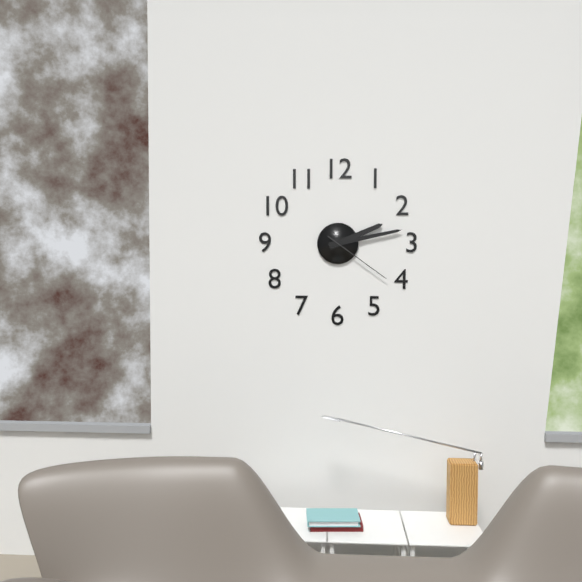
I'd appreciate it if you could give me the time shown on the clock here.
2:13:21
